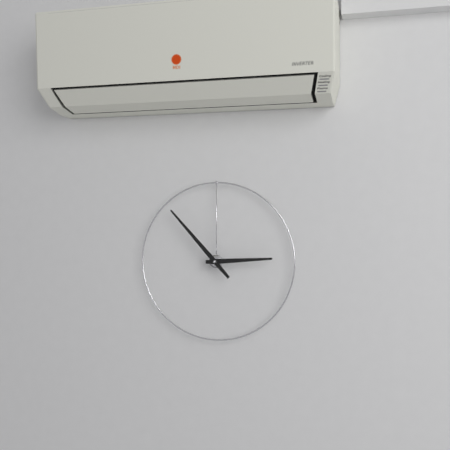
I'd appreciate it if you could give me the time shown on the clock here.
2:53
